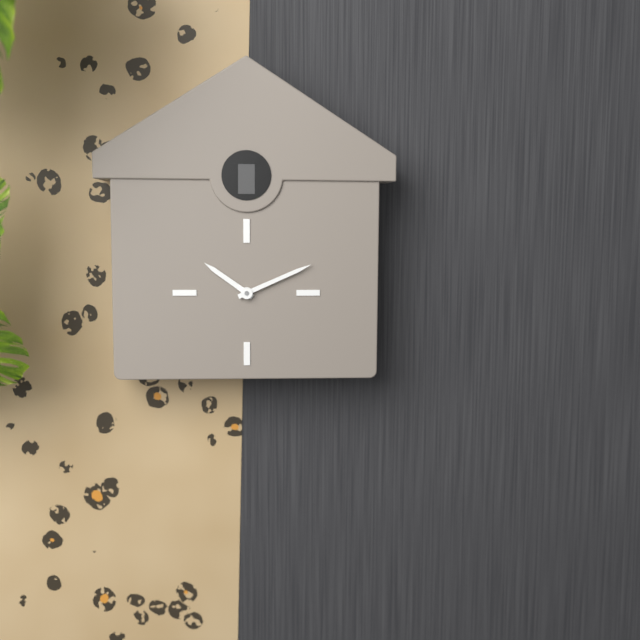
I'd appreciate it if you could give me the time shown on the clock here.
10:11
